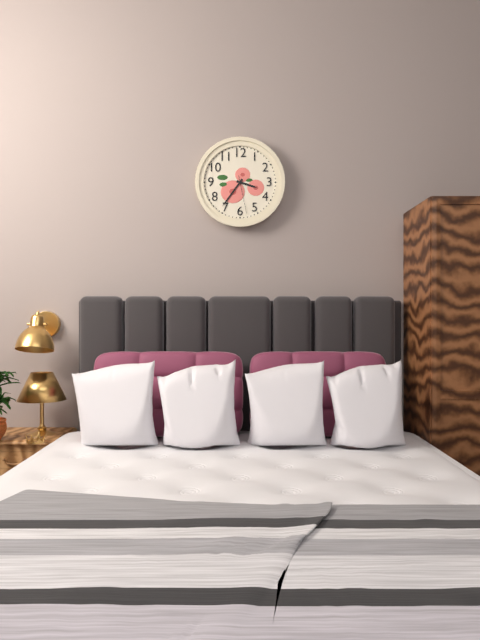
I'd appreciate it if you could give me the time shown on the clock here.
3:36
